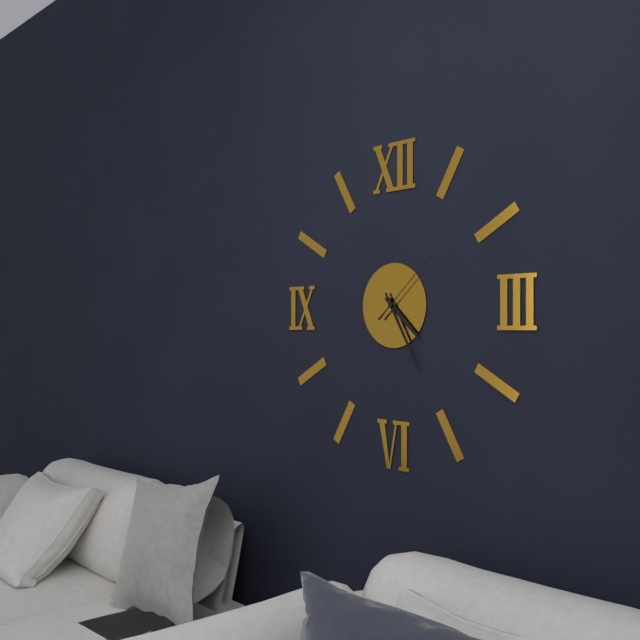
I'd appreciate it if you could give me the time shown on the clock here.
4:25:08
